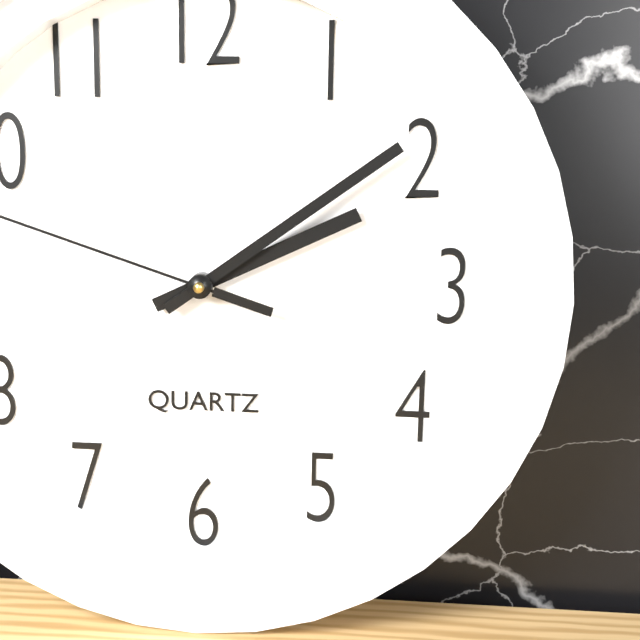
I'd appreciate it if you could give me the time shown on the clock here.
2:09
